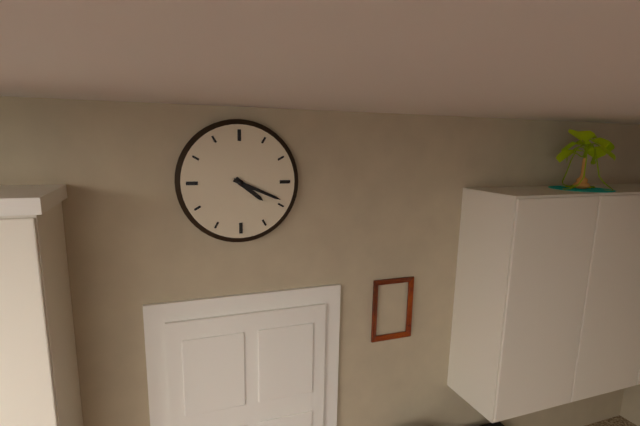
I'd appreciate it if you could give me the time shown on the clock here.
4:19
